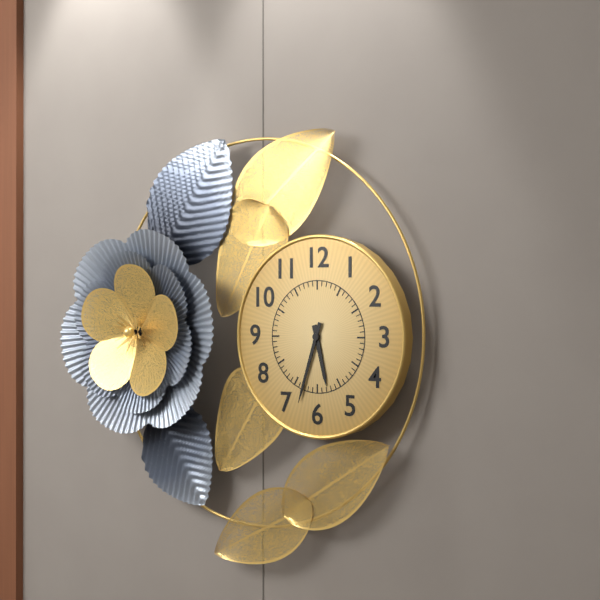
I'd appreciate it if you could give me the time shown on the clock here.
5:33
